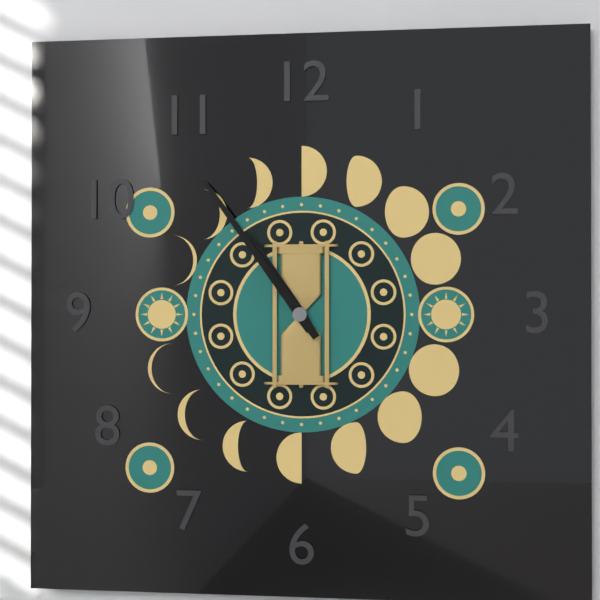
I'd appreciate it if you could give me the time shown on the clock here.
10:54
